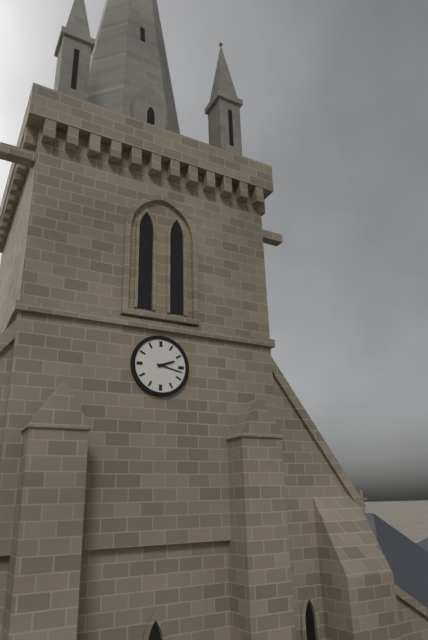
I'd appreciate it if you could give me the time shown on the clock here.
2:17
